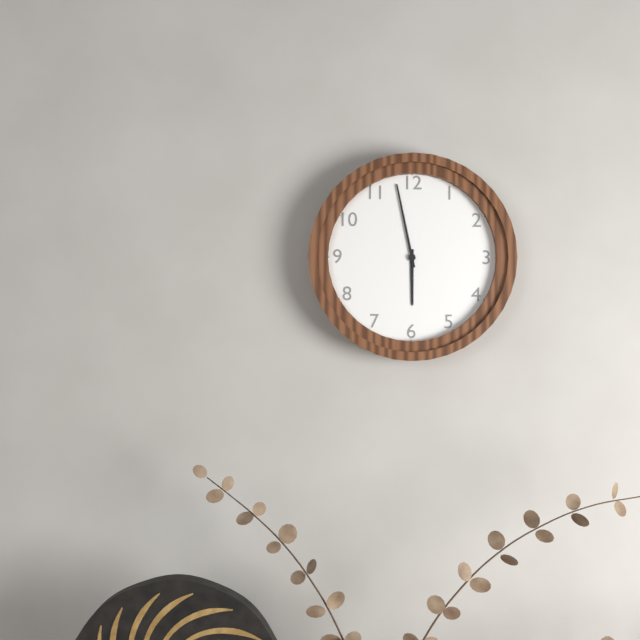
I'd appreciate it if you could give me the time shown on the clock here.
5:58
